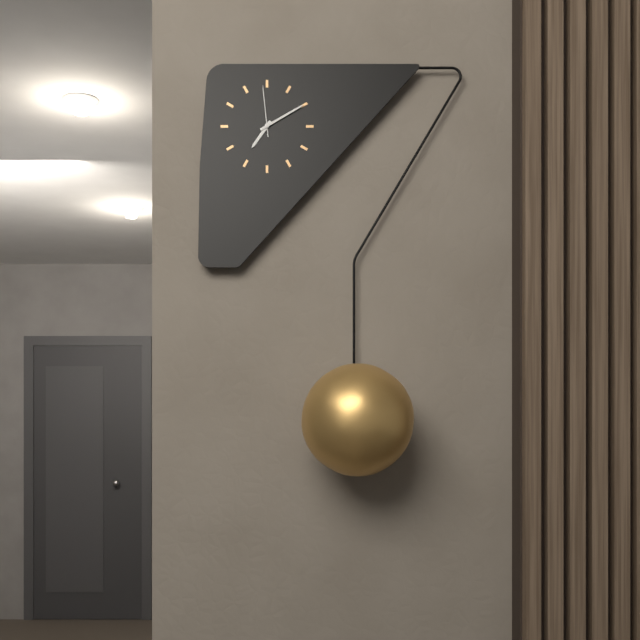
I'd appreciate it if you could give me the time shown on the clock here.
7:10:59
